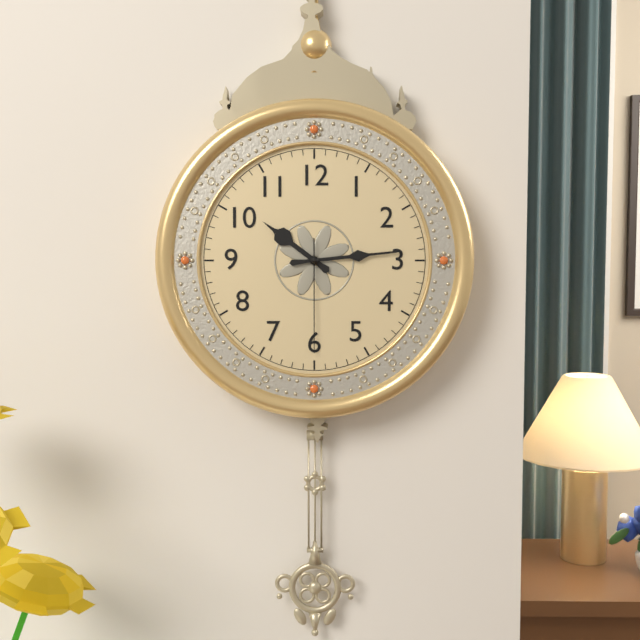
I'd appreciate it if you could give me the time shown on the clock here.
10:14:30
